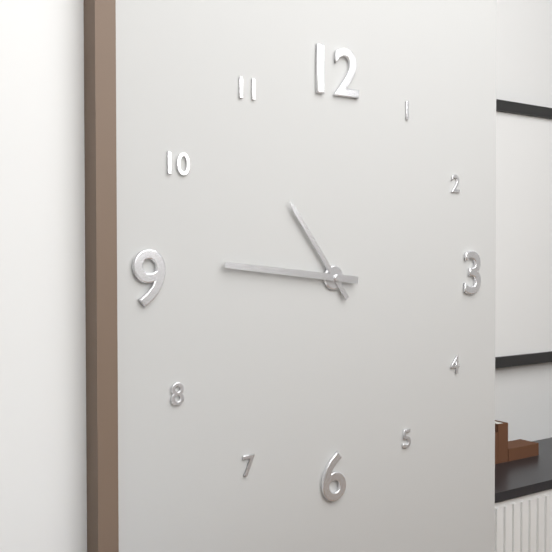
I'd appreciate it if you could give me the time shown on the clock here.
10:46
